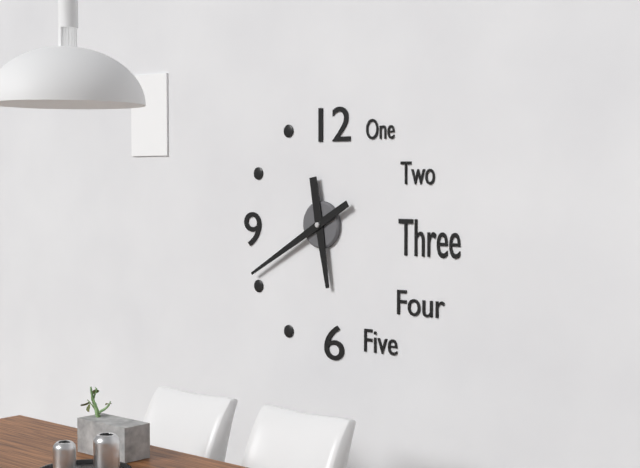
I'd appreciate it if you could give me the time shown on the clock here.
5:40
